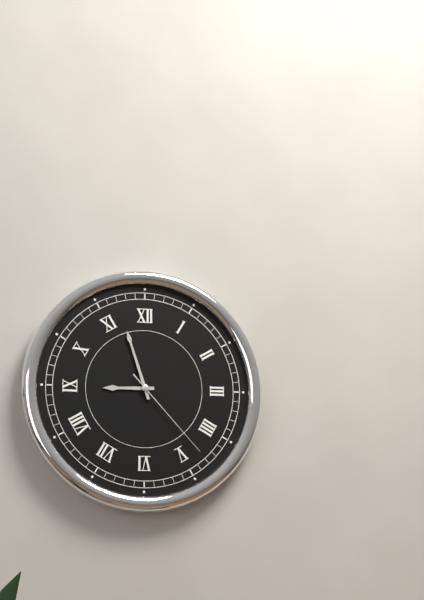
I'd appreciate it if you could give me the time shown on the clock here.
8:57:23
